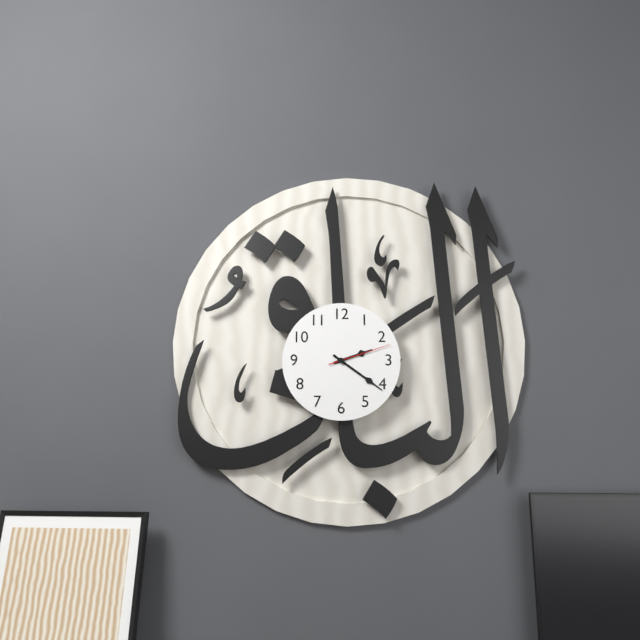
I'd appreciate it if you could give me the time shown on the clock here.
2:21:12
